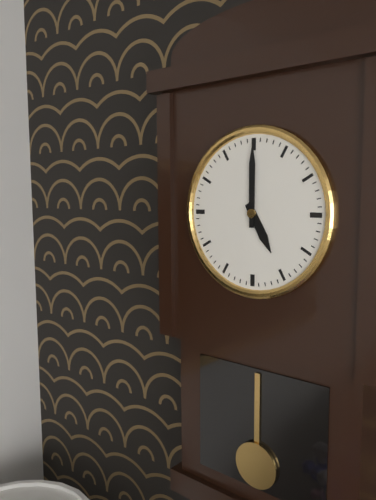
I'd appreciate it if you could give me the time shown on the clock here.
5:00
